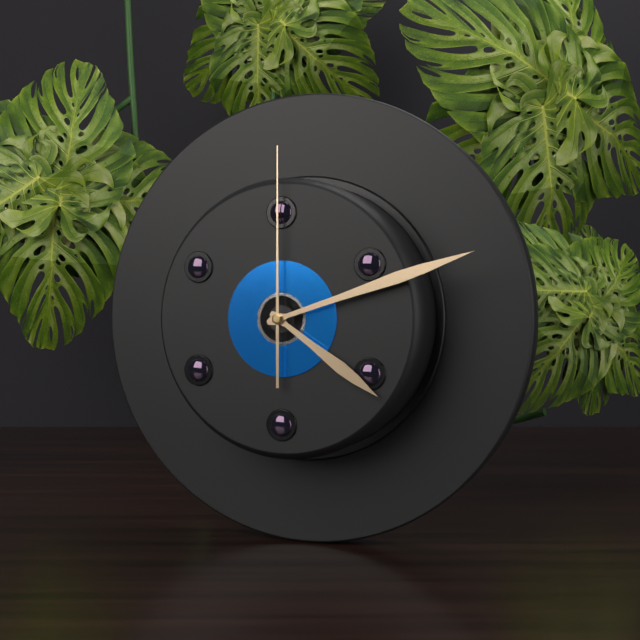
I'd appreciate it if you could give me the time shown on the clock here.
4:12:00
